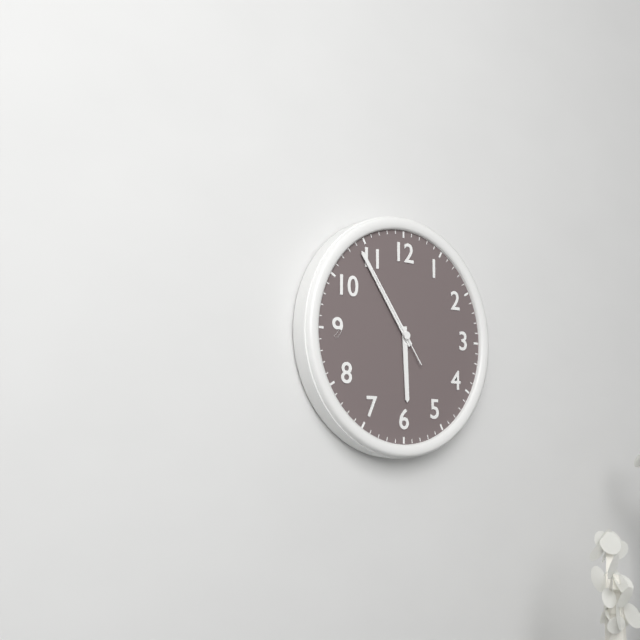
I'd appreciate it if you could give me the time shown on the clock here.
5:54:54
